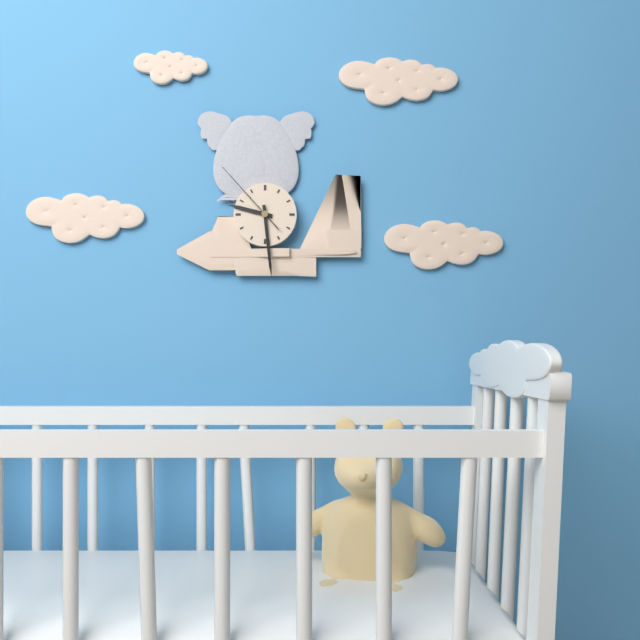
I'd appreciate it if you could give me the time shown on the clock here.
9:29:53
